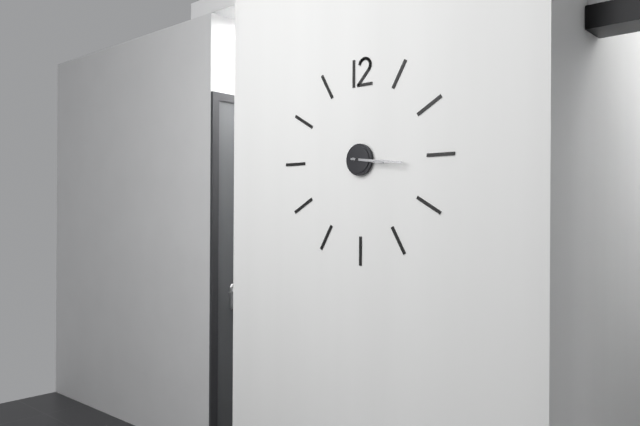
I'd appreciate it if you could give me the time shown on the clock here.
3:16
